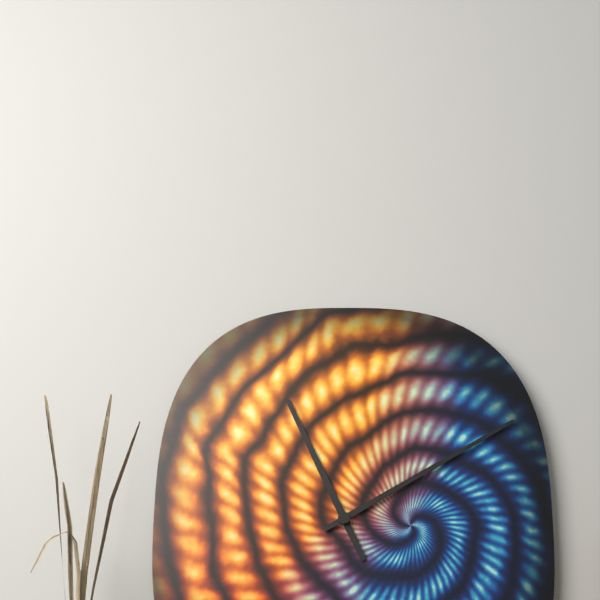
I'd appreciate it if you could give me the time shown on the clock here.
11:10
